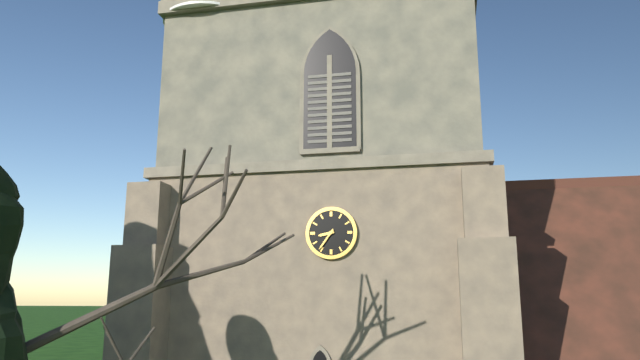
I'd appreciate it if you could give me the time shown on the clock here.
8:36
